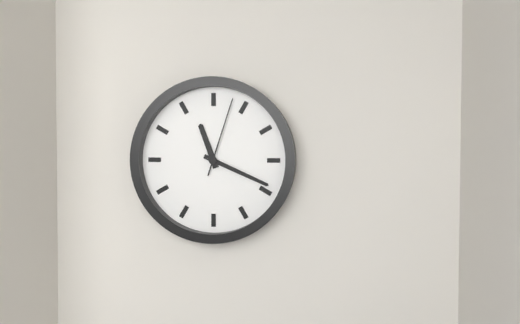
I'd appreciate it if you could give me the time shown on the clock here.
11:19:03
